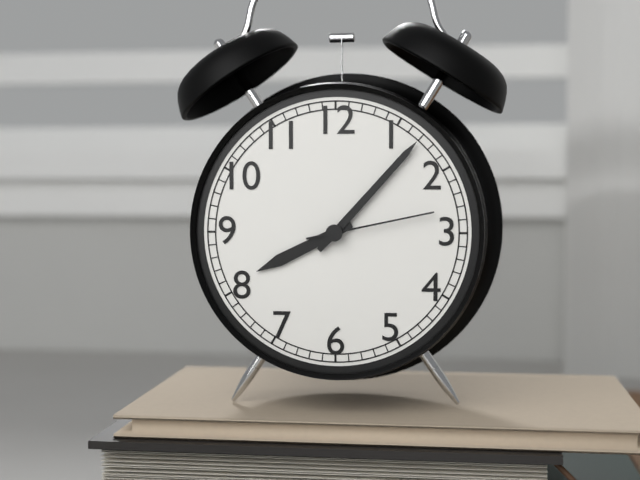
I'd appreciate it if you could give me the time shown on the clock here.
8:07:13
